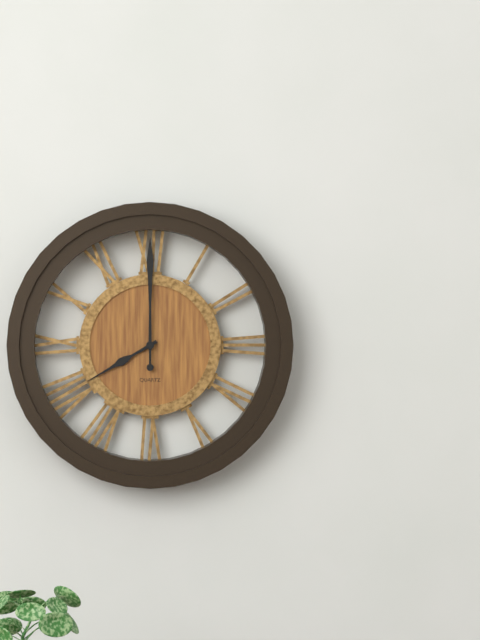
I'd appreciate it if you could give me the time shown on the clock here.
8:00
